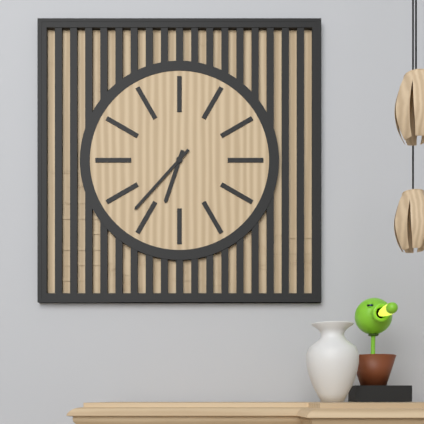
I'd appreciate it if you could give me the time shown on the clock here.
6:37
